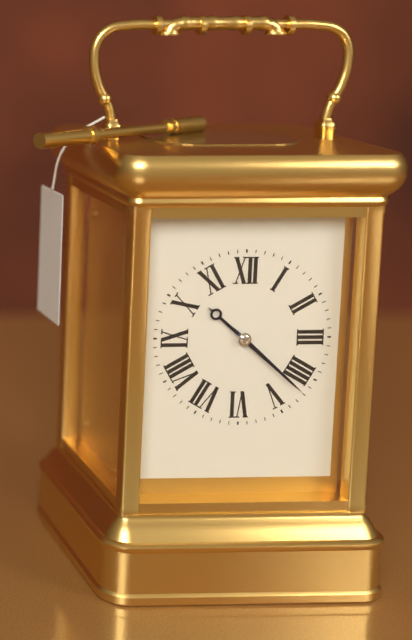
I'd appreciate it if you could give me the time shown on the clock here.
10:22
